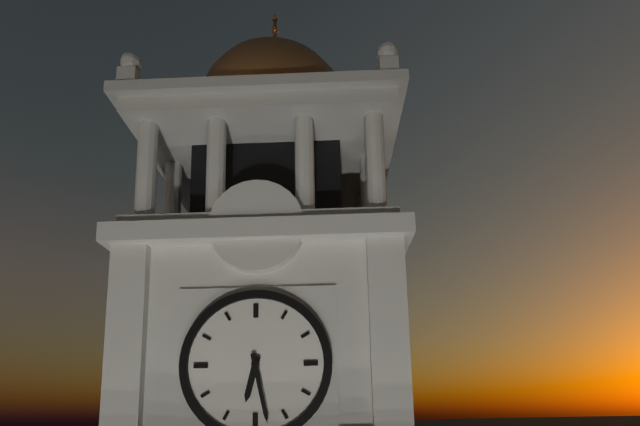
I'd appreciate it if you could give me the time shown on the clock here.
6:28
